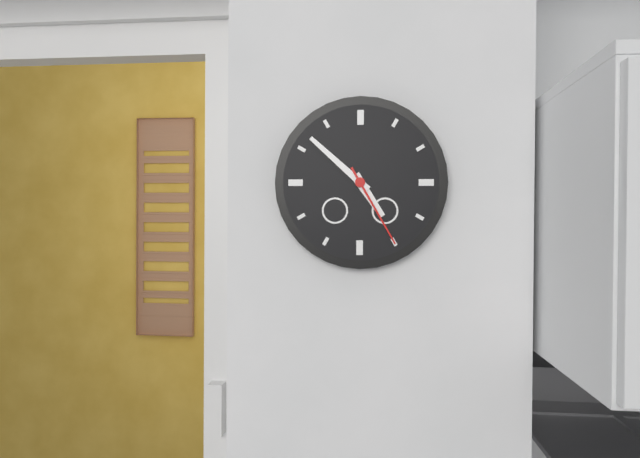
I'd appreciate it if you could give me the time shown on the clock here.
4:52:25
